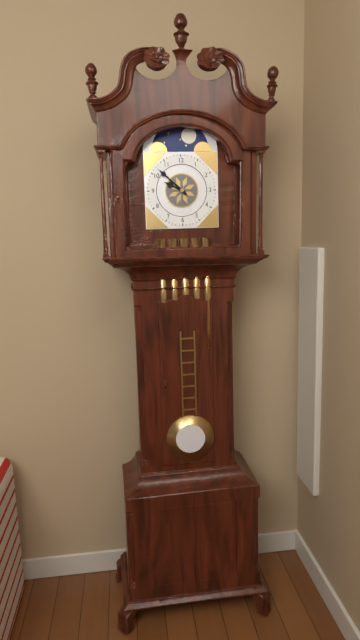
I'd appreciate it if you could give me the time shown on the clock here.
9:52
